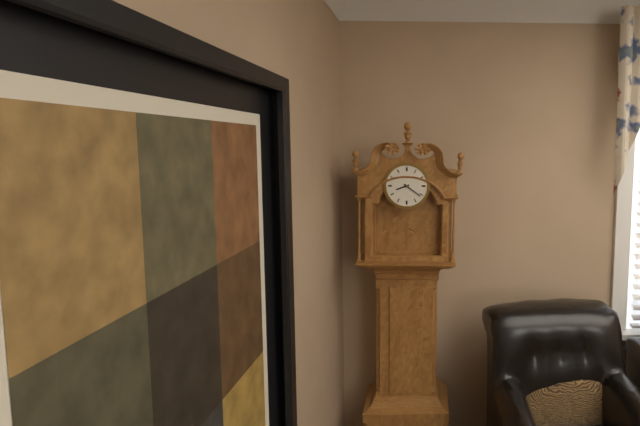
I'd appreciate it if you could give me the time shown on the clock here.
8:21
